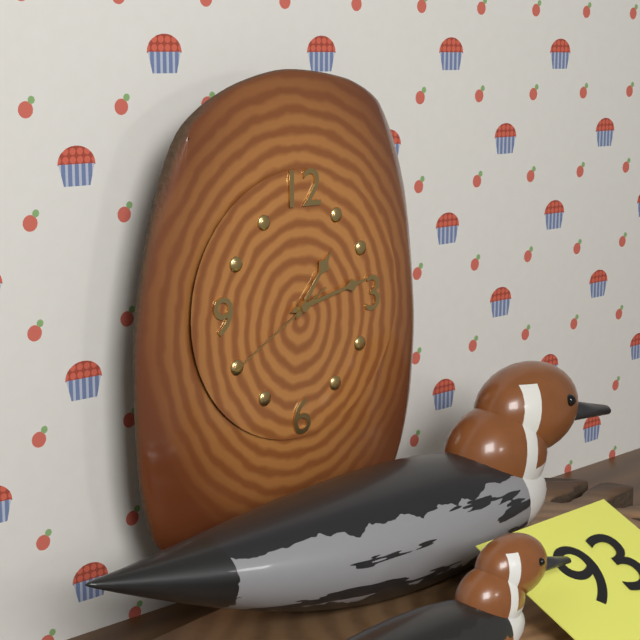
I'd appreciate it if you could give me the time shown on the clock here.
1:13:40
